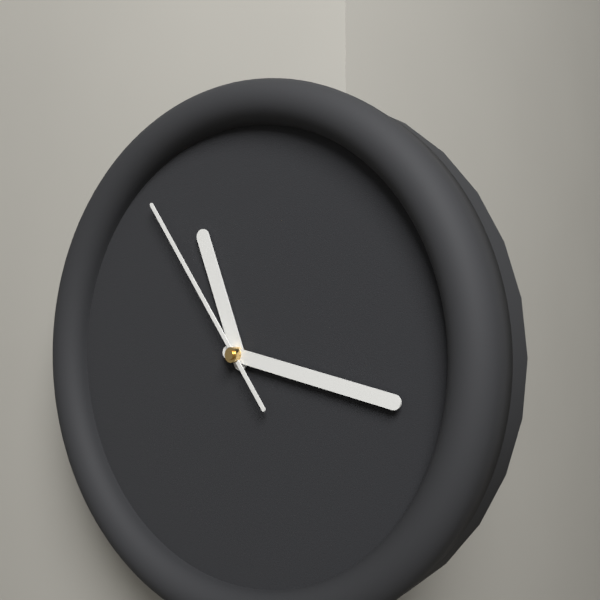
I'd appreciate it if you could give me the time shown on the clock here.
11:17:54
